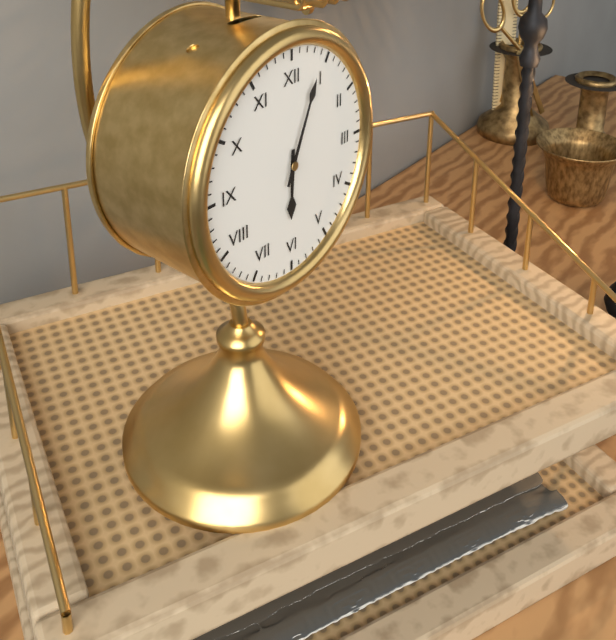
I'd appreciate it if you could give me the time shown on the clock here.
6:04
